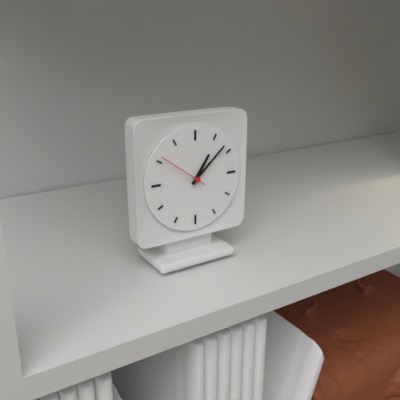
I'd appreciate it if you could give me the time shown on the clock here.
1:08:51
